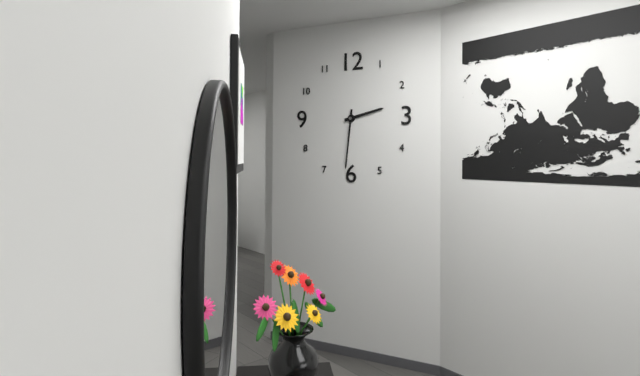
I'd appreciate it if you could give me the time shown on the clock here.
2:31
